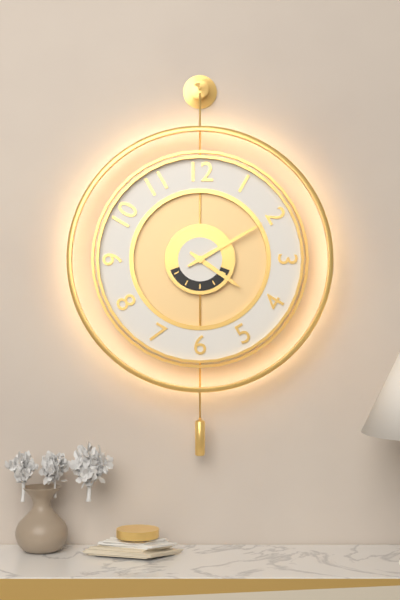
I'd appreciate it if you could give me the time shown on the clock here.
4:10
